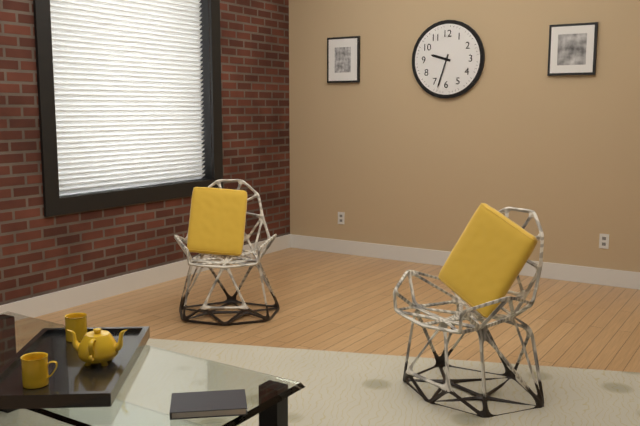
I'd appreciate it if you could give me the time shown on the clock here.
9:33
